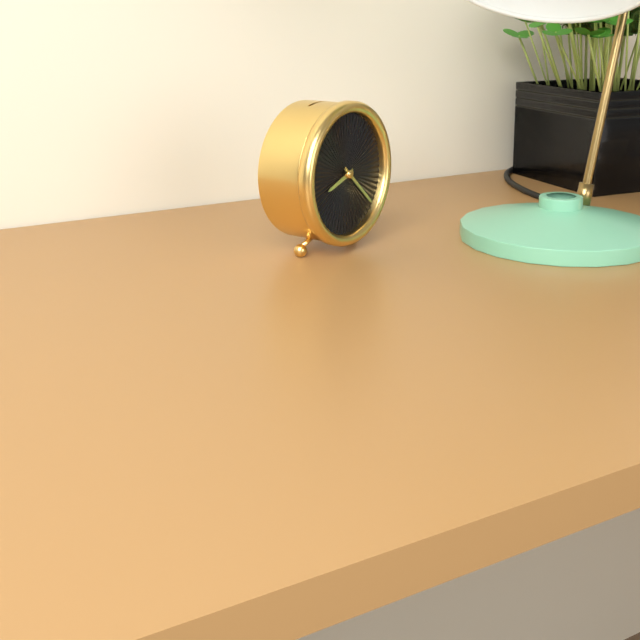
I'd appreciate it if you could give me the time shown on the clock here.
8:22
